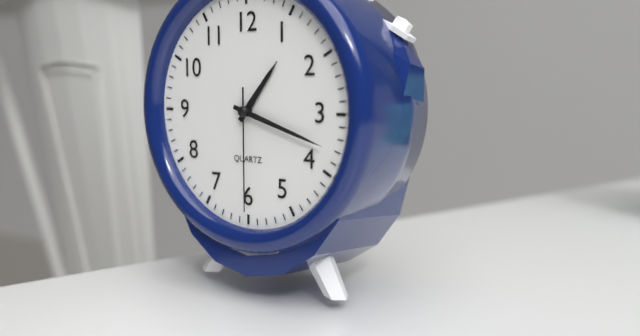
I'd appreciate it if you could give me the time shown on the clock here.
1:18:30
